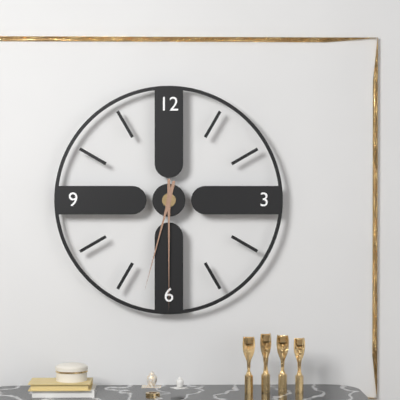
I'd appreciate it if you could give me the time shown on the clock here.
6:30
